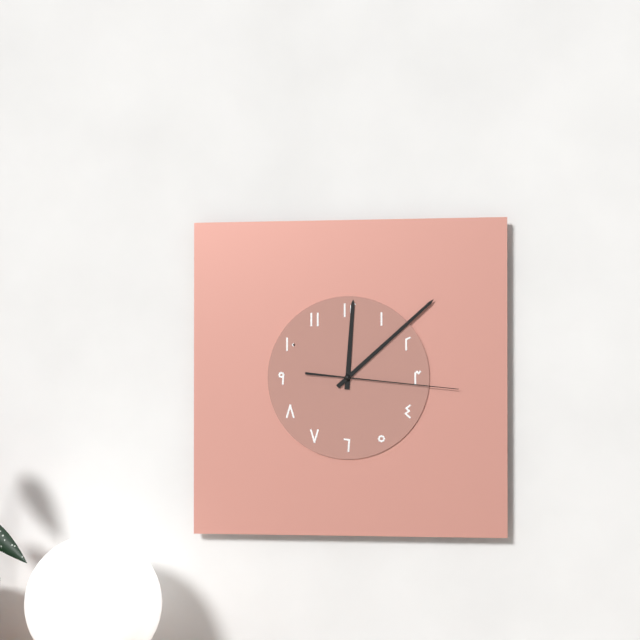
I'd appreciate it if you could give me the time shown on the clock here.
12:08:16
